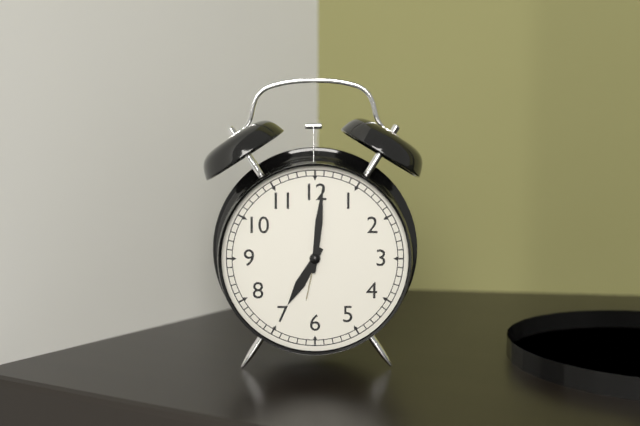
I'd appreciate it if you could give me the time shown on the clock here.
7:01
